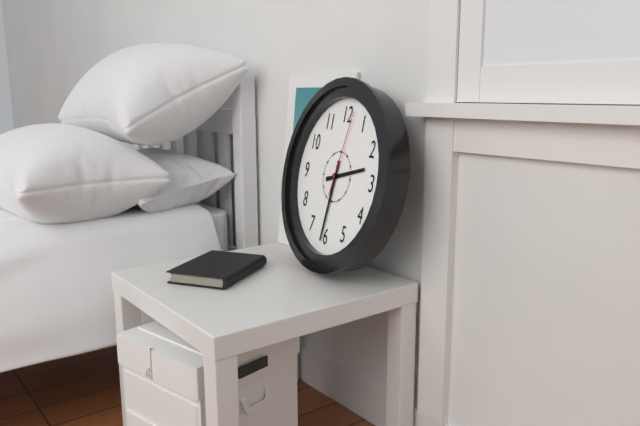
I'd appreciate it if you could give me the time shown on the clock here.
2:31:02
